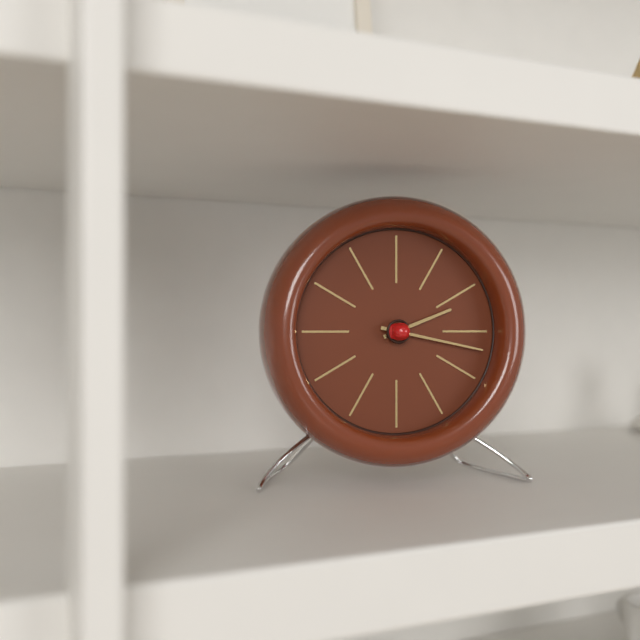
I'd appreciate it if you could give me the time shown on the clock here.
2:17
